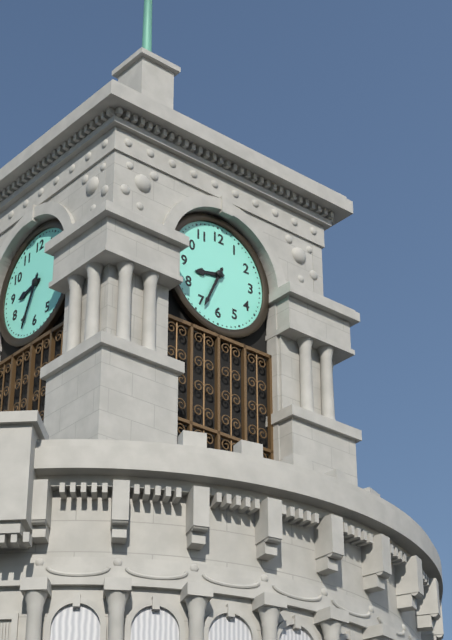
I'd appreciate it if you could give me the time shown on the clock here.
8:34
